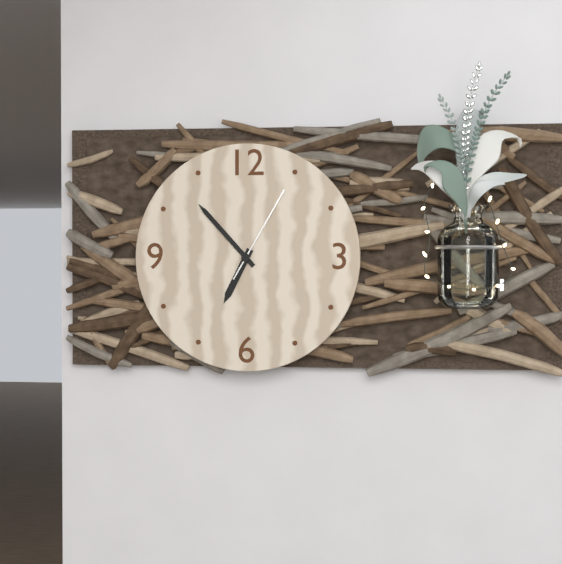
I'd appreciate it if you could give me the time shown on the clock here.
6:53:05
